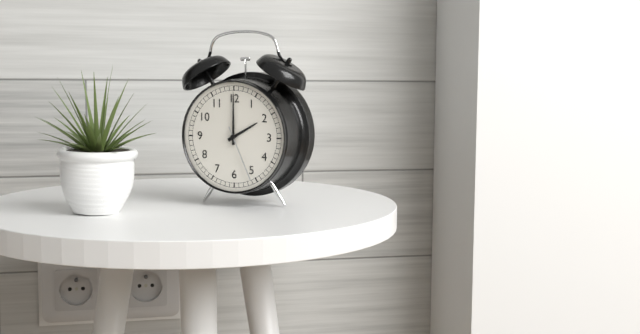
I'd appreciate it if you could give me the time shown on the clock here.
2:00:26
